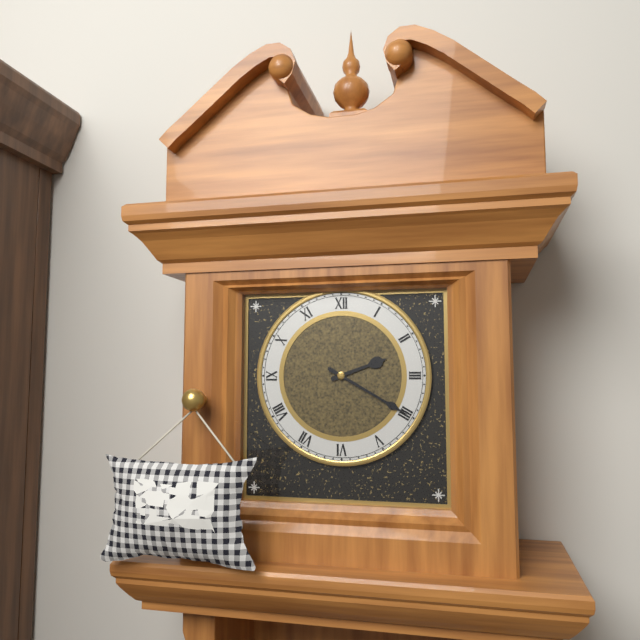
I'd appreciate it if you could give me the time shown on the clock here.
2:20
